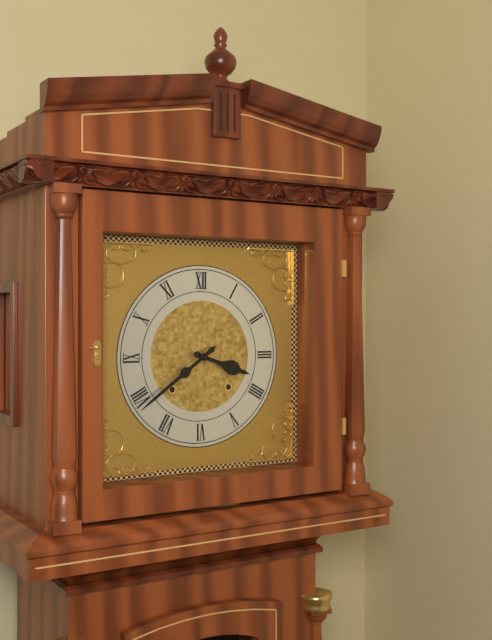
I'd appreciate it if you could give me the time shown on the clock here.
3:39
